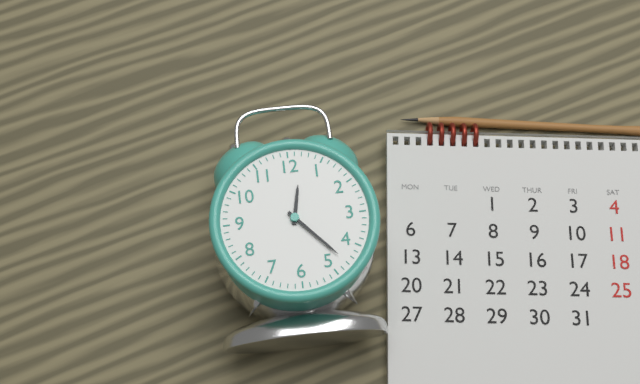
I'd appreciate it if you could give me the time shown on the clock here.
12:23
